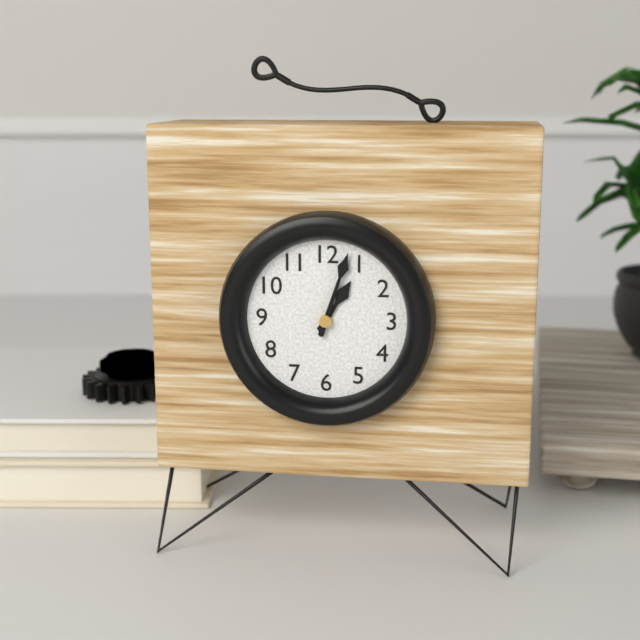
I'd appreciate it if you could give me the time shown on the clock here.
1:03
